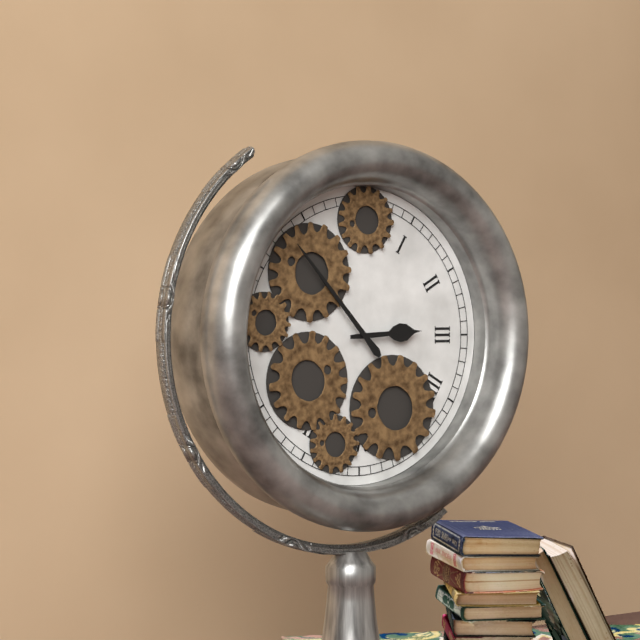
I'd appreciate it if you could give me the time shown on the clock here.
2:53
